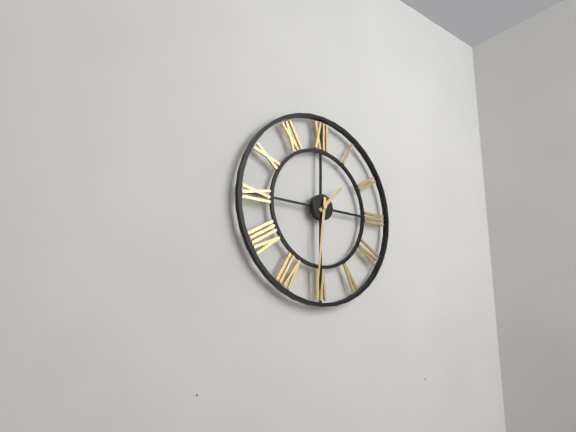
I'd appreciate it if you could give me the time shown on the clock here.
1:31
